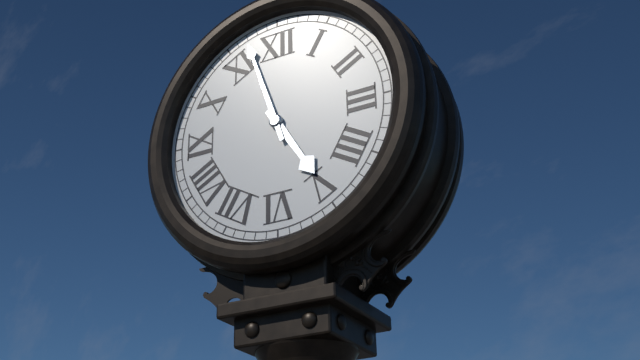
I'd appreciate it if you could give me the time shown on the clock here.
4:57
